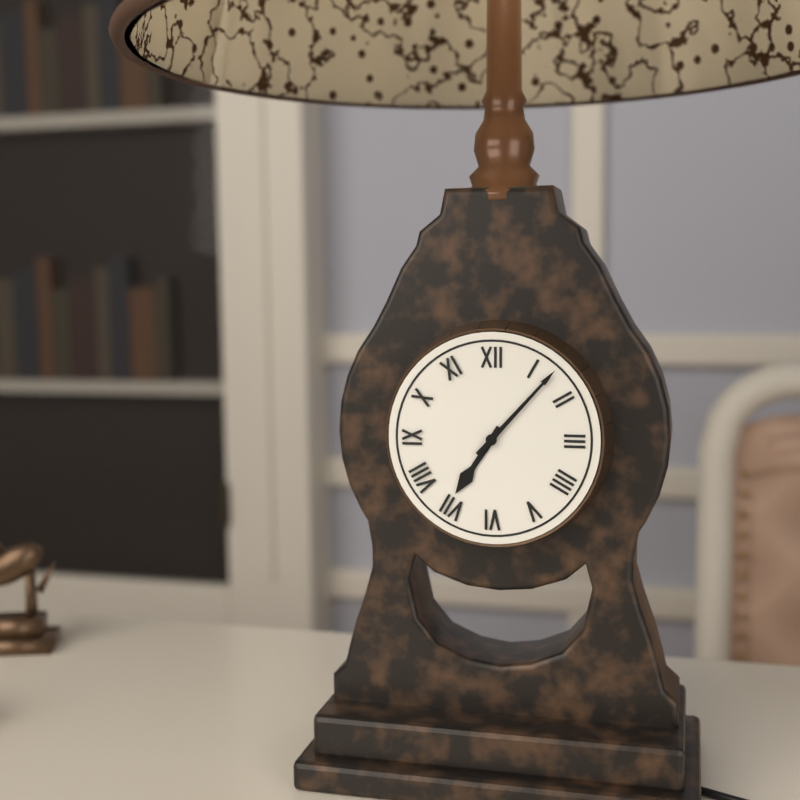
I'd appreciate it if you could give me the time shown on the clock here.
7:07
